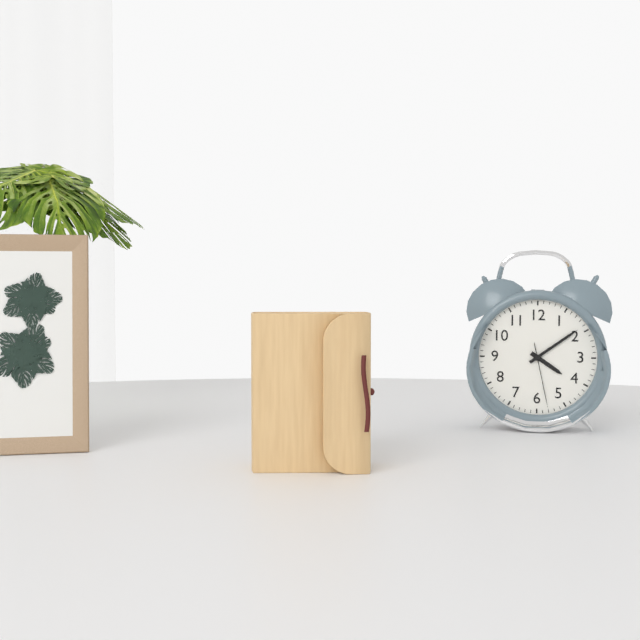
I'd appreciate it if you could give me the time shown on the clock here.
4:09:28
